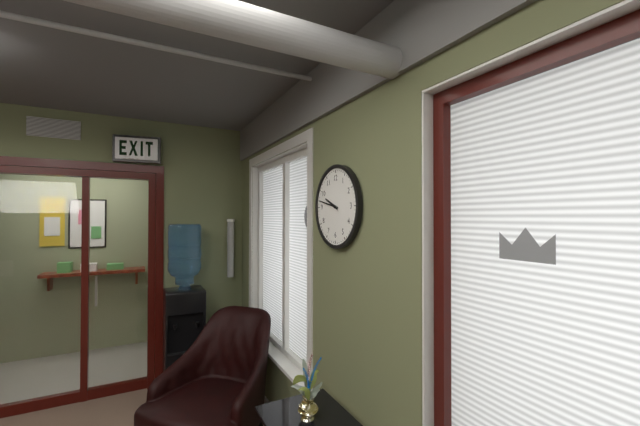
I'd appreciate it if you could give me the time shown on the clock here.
9:47
